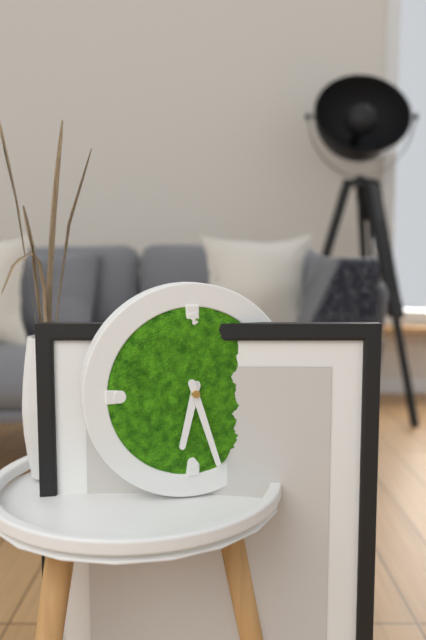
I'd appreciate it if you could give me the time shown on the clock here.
6:27
